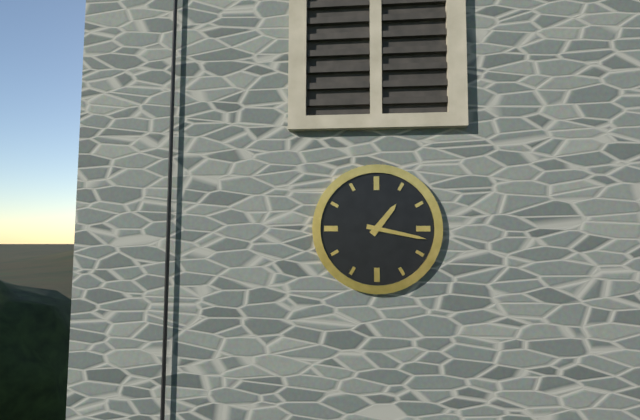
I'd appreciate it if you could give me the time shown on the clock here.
1:17
